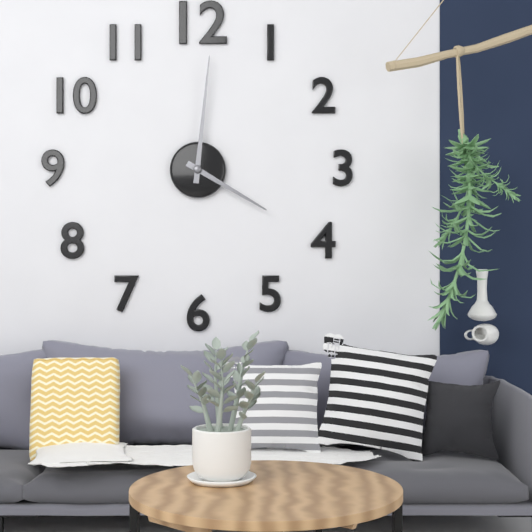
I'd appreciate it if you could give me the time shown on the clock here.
4:01
